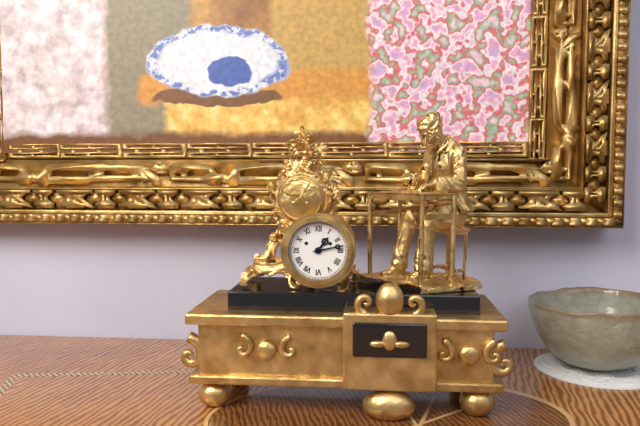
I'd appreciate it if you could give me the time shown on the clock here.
1:13
